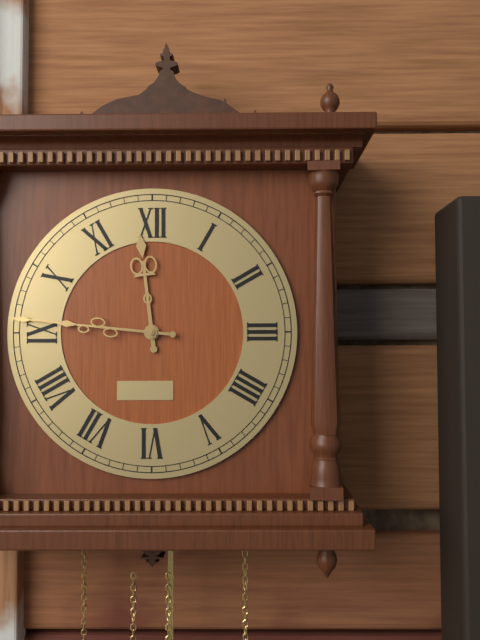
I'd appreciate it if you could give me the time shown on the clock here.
11:46
